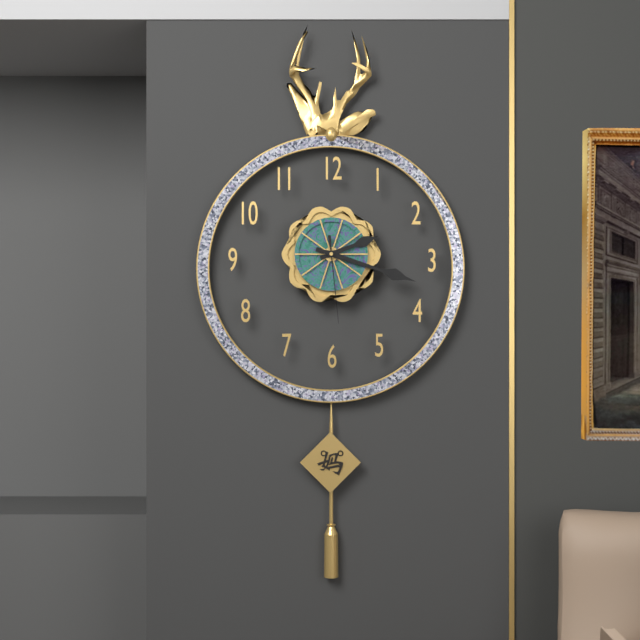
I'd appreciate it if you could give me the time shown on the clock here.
2:18:29
